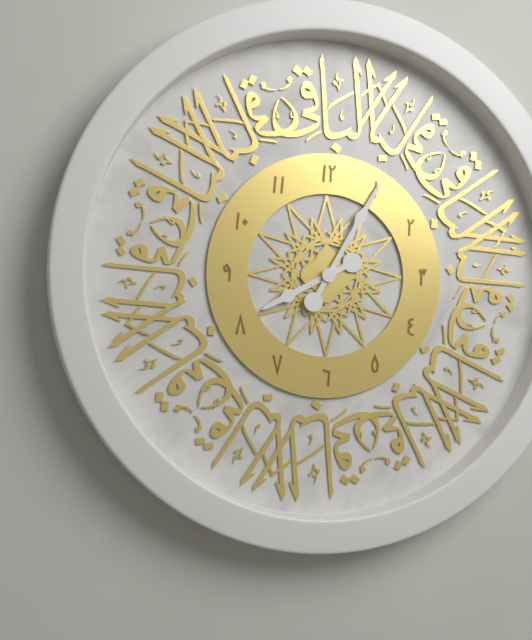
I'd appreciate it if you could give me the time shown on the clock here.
8:05
